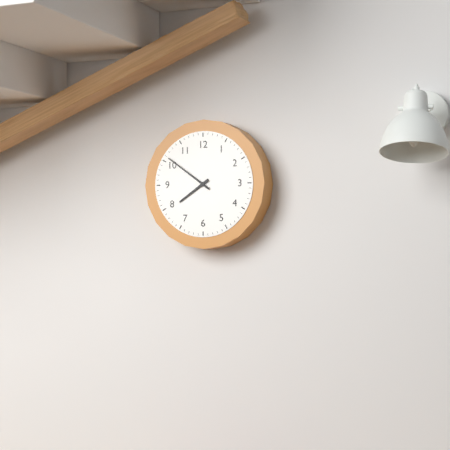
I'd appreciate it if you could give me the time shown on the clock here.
7:51
